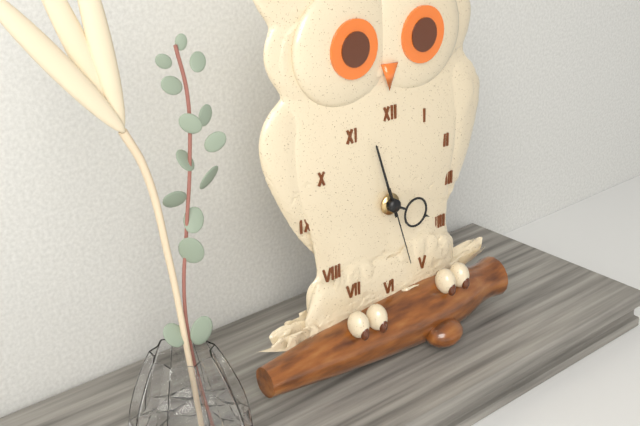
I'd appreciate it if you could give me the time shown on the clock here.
3:57:27
